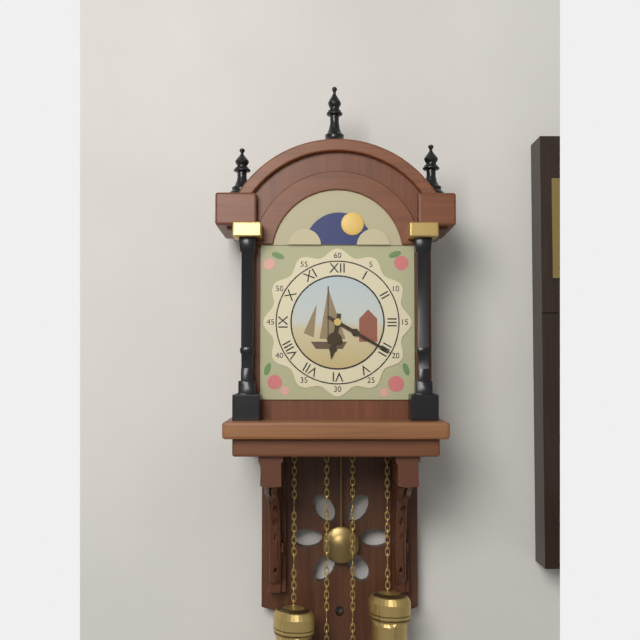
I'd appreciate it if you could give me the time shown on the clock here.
6:20
